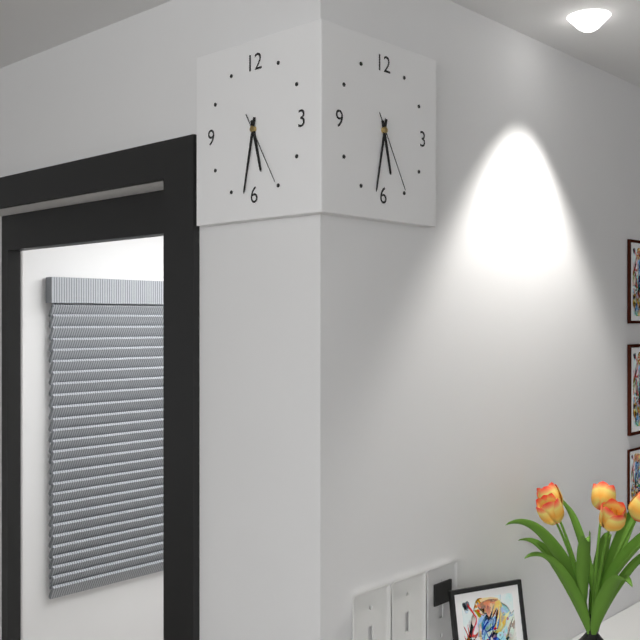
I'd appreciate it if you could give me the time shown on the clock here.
5:32:25
